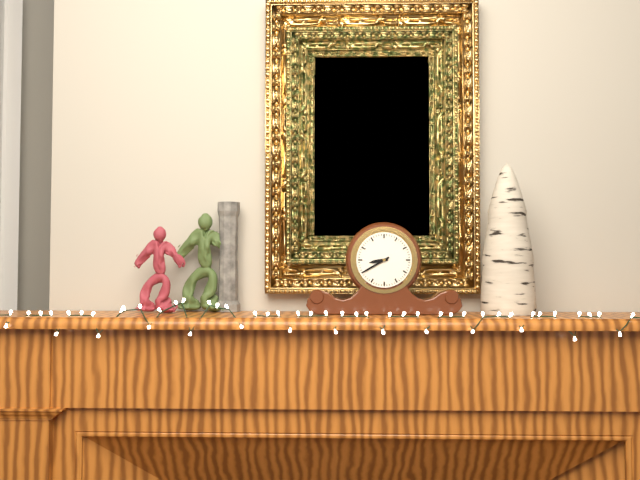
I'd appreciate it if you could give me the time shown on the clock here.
8:40
